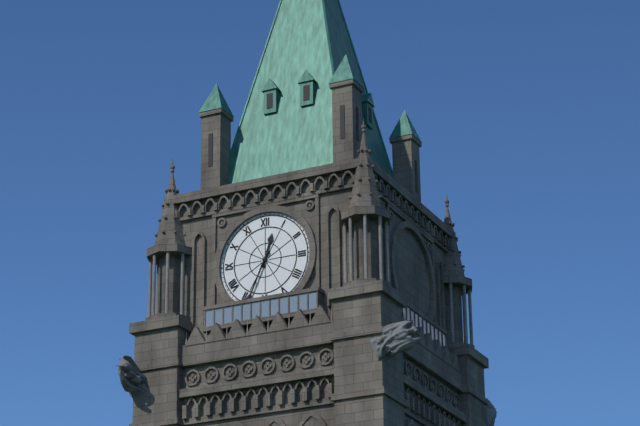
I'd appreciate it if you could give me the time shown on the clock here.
12:34
